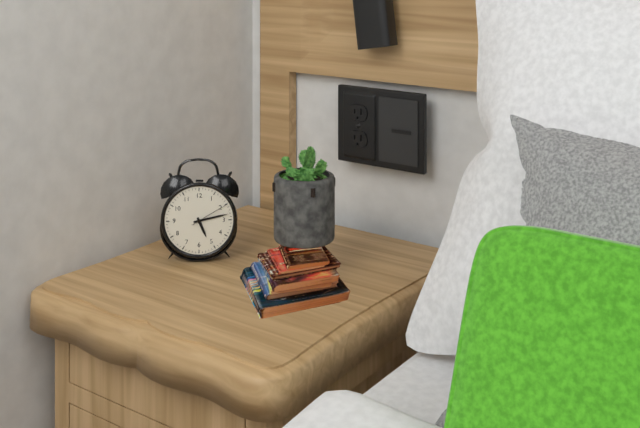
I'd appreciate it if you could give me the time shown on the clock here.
5:13
